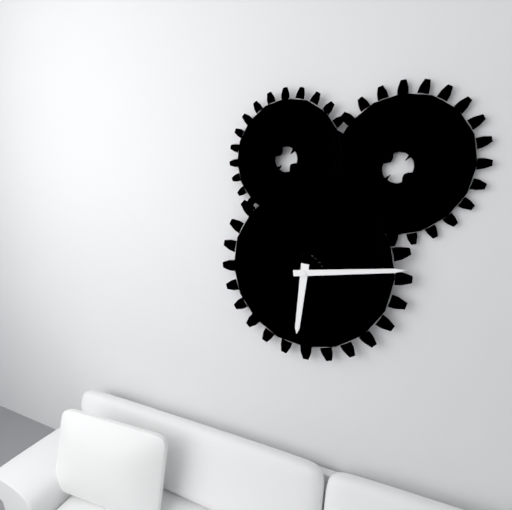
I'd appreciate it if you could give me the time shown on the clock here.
6:14
